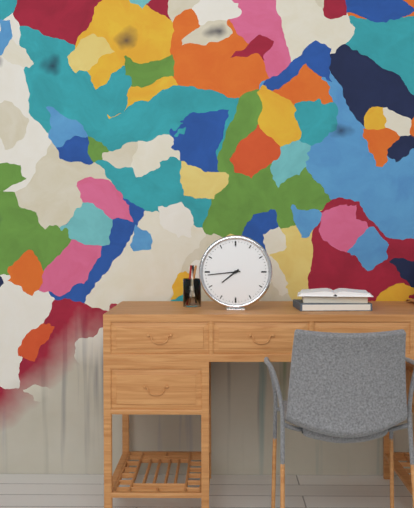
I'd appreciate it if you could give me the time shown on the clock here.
7:44
